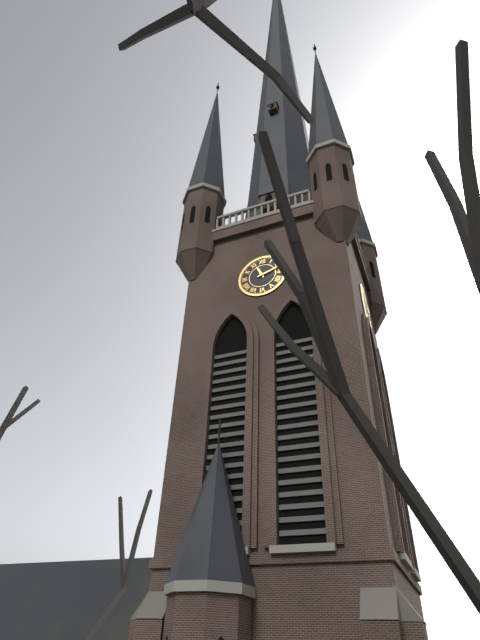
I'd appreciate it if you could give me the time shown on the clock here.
11:12
